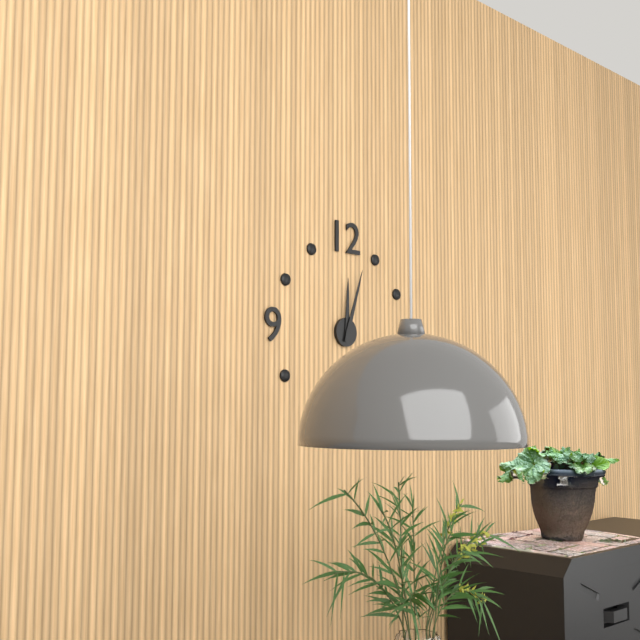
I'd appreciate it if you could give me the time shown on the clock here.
12:03
